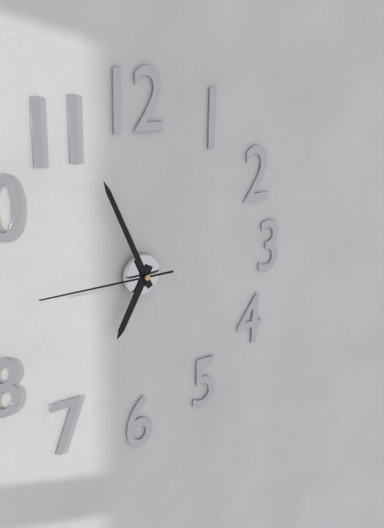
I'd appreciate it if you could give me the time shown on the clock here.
6:56:45
